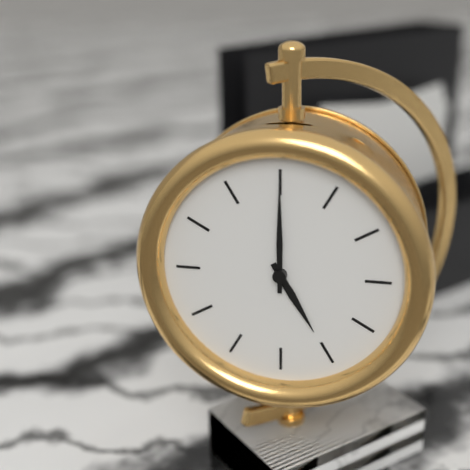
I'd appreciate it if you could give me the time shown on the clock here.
5:00
